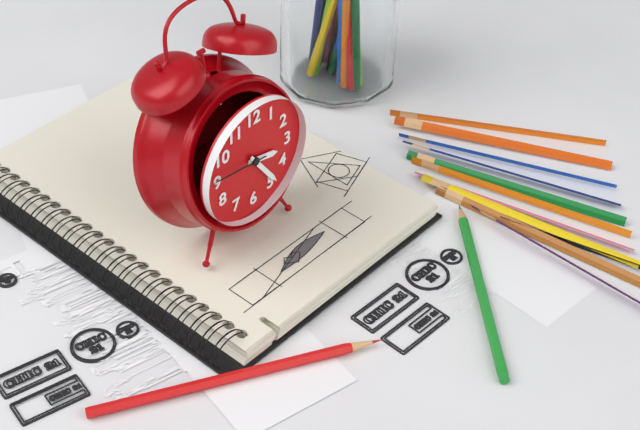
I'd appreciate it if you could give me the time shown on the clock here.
3:24:46
